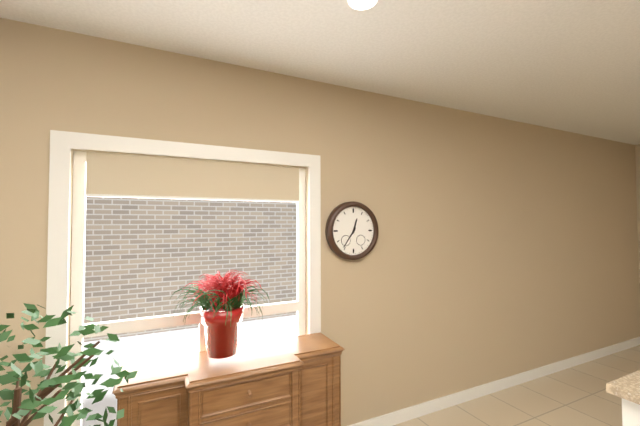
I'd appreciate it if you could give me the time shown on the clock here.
12:36
